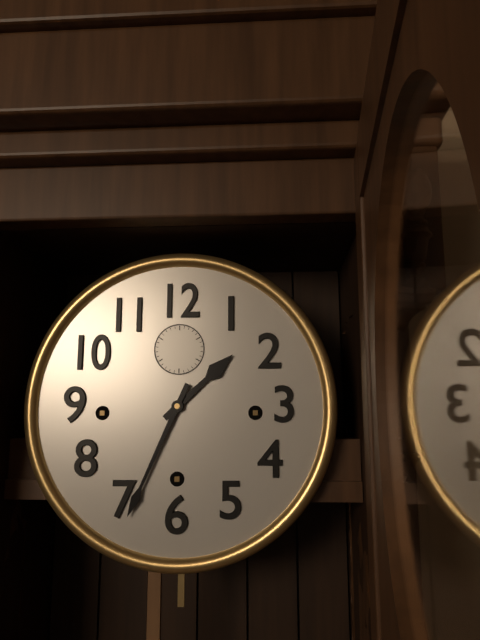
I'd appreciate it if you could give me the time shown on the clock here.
1:34
